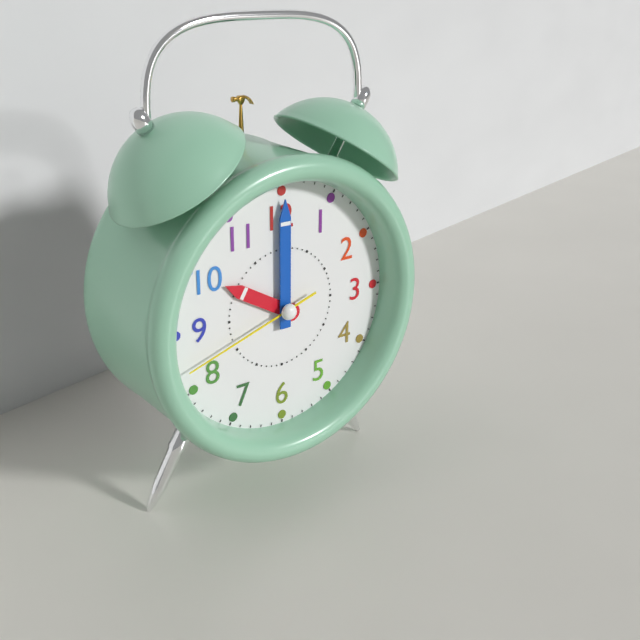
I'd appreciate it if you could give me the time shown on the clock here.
10:00:42
